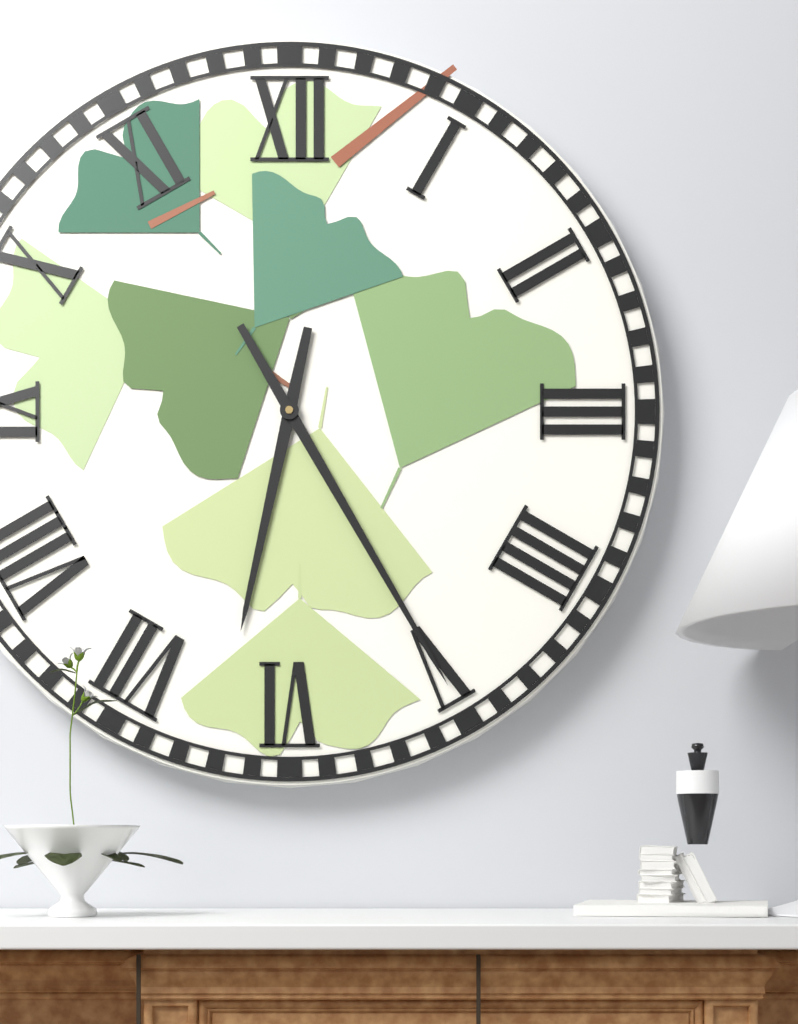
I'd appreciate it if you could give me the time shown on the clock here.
6:25
